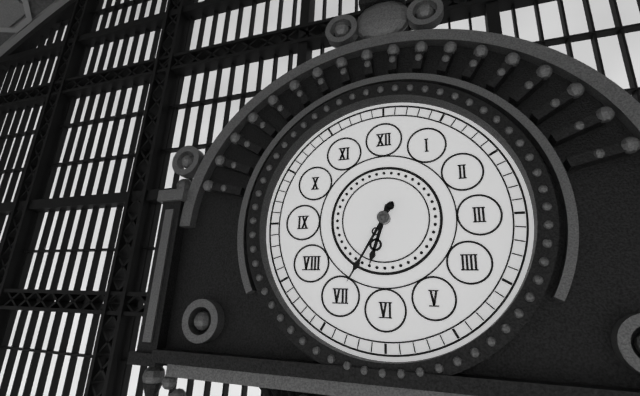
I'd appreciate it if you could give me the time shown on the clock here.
6:35
